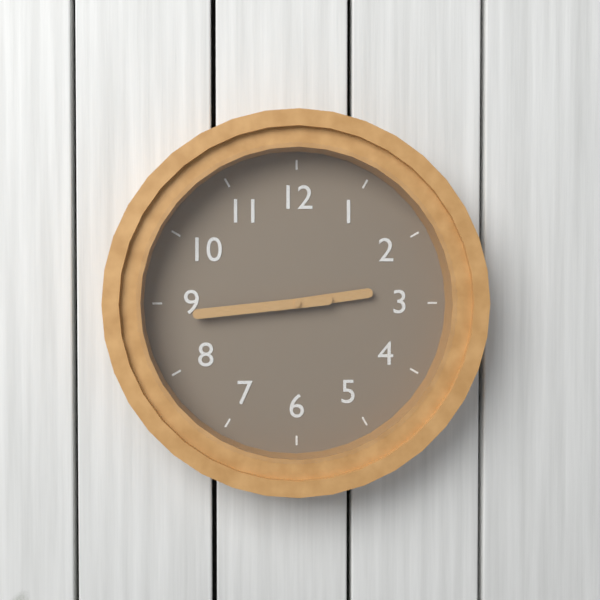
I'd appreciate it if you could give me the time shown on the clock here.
2:44
